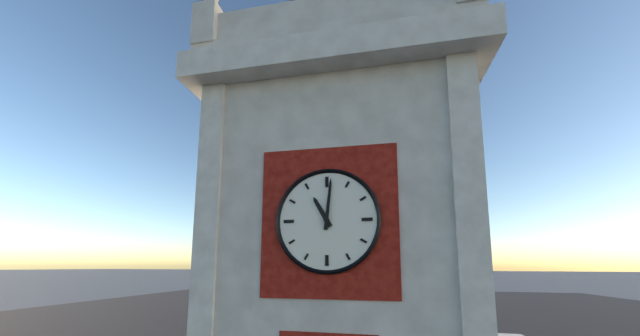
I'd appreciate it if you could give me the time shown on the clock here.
11:01
